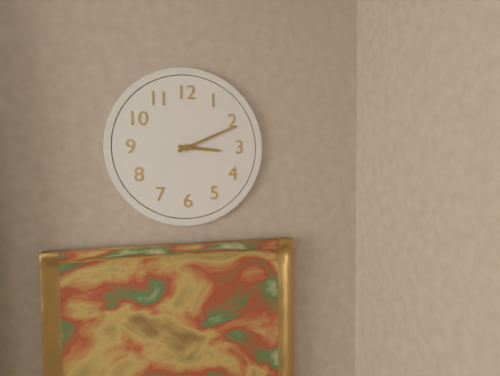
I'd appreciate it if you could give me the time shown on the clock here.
3:11
